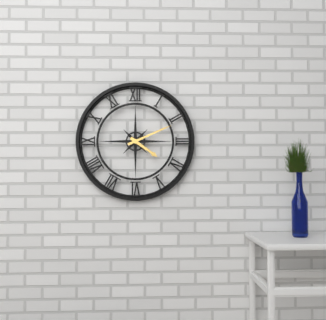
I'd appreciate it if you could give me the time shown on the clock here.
4:11
